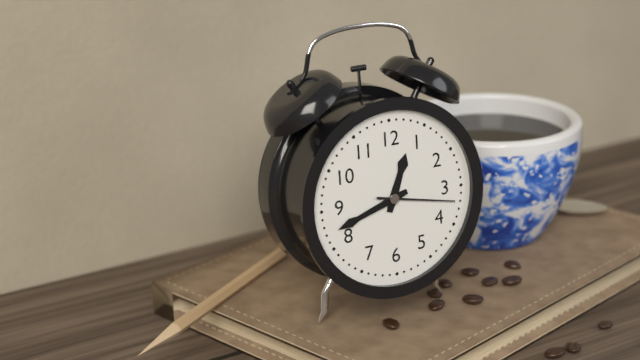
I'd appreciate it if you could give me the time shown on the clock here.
12:42:17
